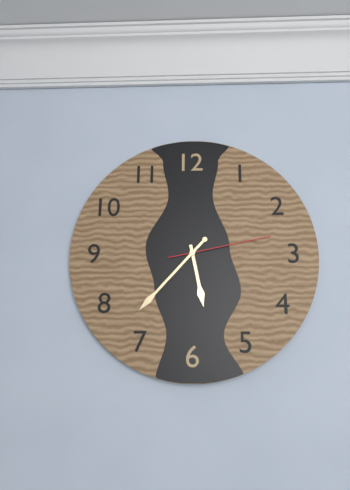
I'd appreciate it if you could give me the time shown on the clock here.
5:37:13
